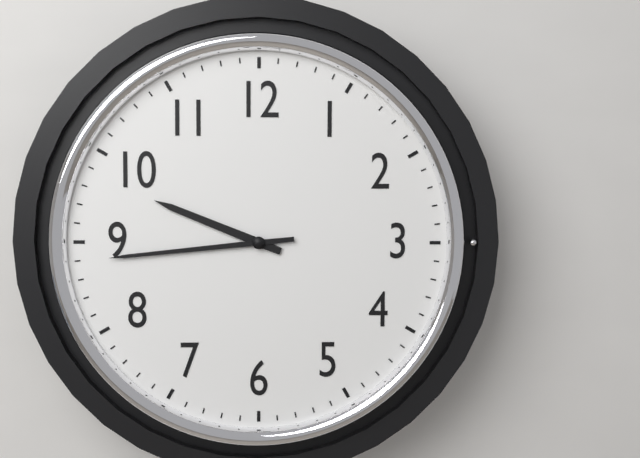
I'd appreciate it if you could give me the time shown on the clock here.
9:44
